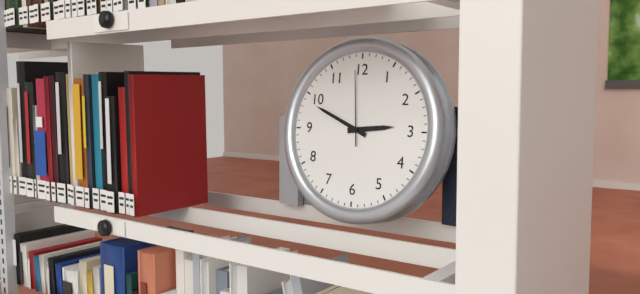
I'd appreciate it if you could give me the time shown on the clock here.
2:49:59
